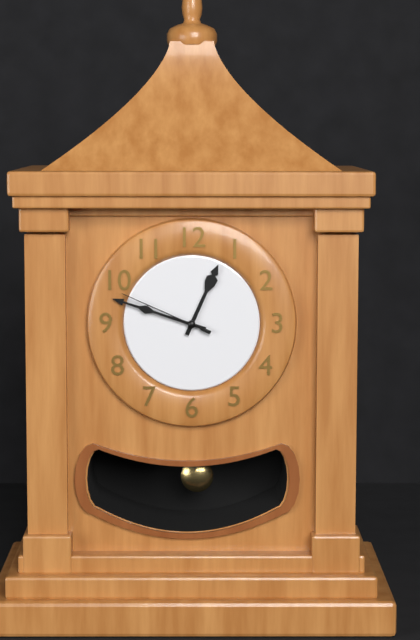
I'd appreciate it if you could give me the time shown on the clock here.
12:48:49
